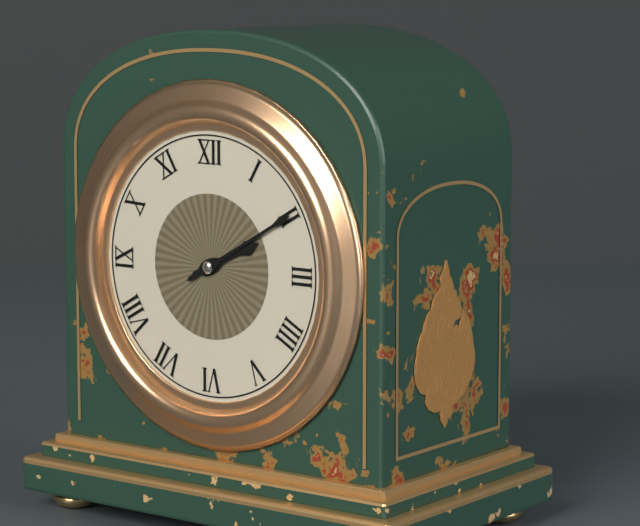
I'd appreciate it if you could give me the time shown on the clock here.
2:10
